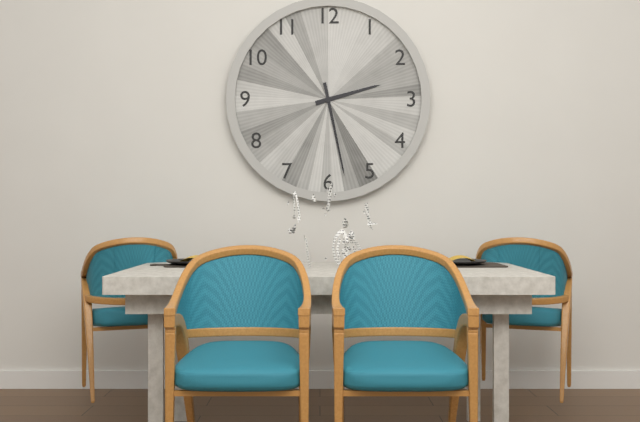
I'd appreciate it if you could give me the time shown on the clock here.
2:28
